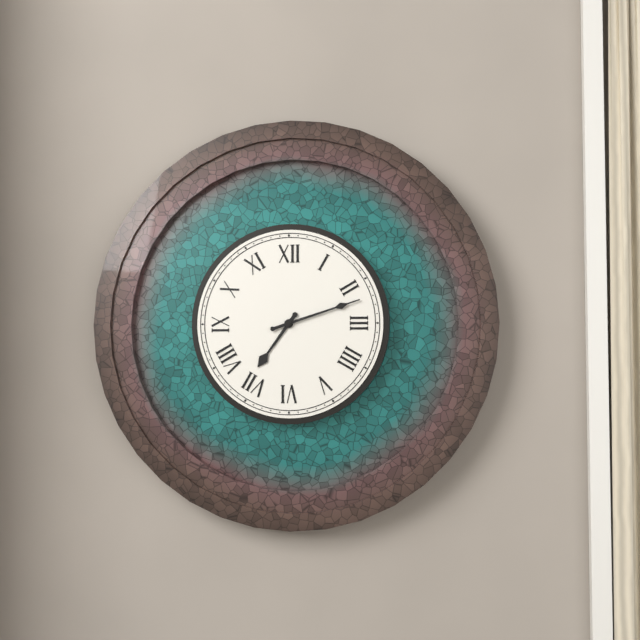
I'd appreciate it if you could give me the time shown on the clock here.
7:12
